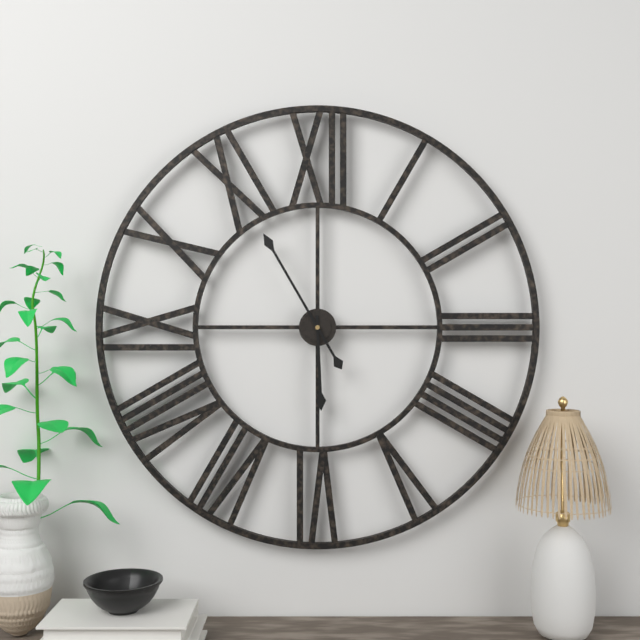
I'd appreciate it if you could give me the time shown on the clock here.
5:55
